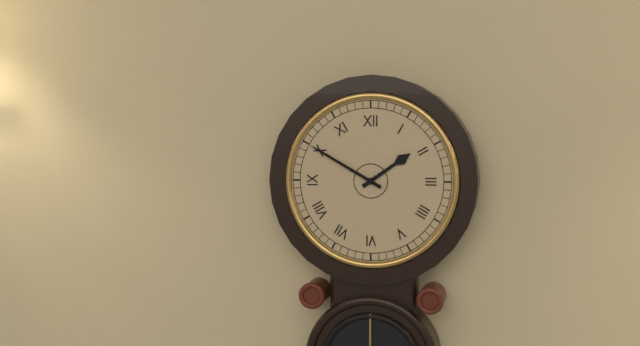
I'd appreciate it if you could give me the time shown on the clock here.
1:50
